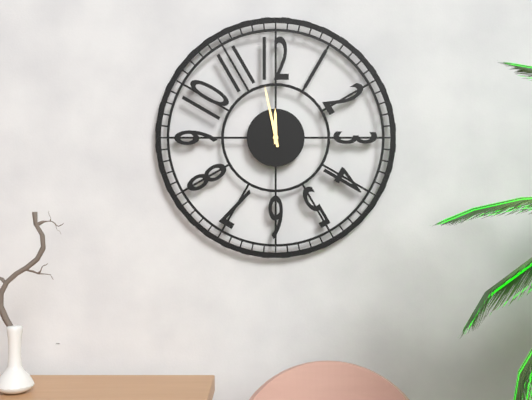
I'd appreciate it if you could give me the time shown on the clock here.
11:58
